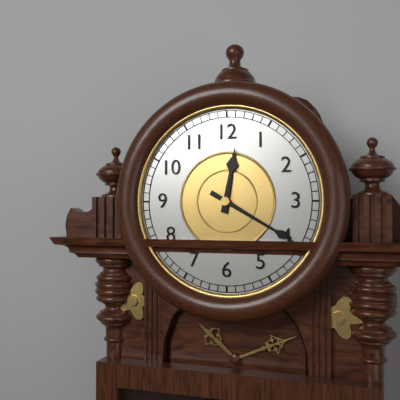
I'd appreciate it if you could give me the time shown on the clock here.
12:20
